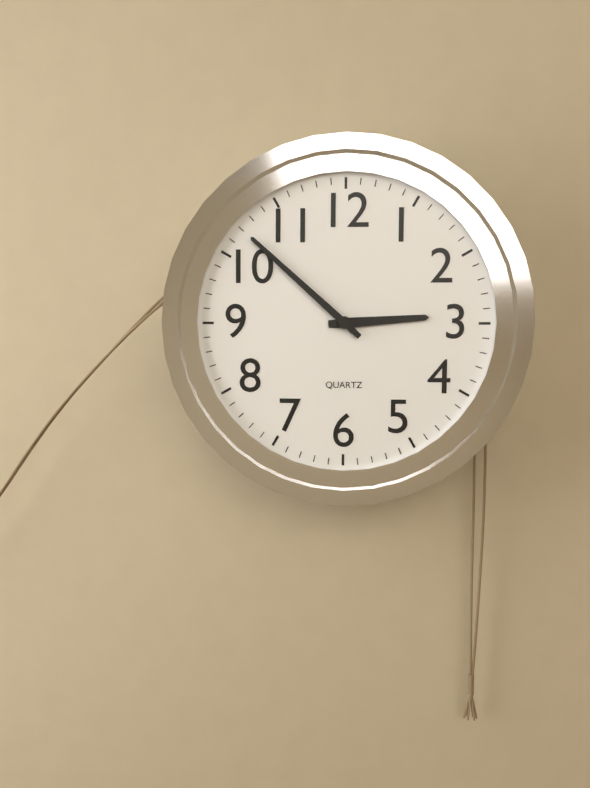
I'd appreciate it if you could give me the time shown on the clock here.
2:52
